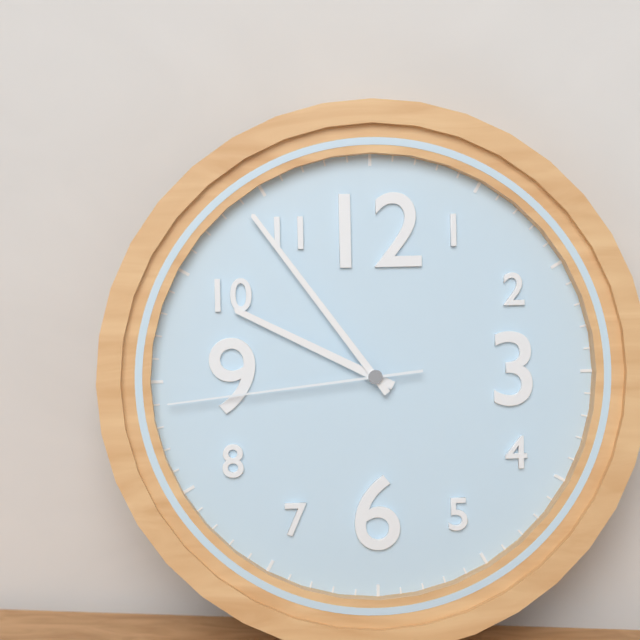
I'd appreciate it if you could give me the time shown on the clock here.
9:54:44
